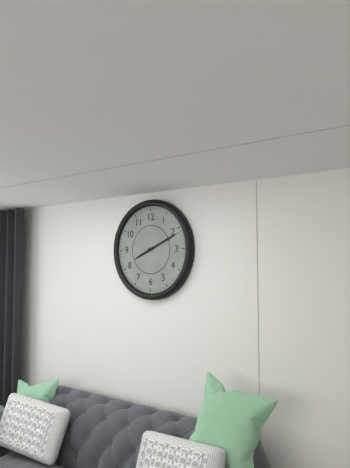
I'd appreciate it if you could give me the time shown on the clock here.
8:11
